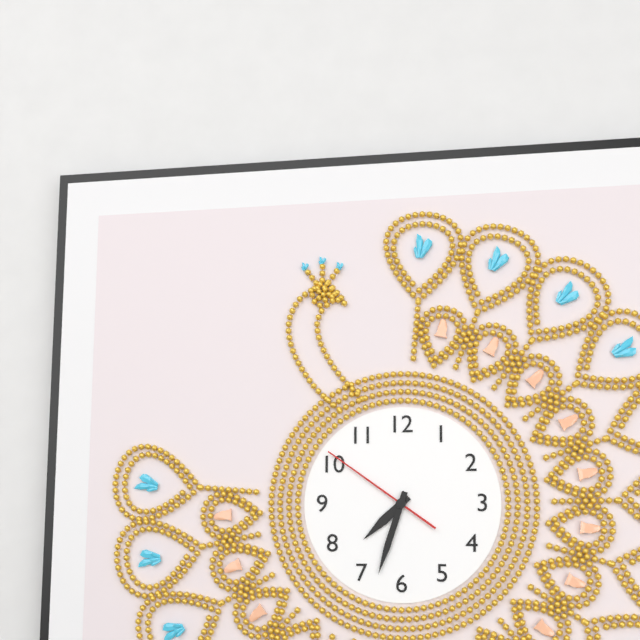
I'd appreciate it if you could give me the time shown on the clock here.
7:33:51
